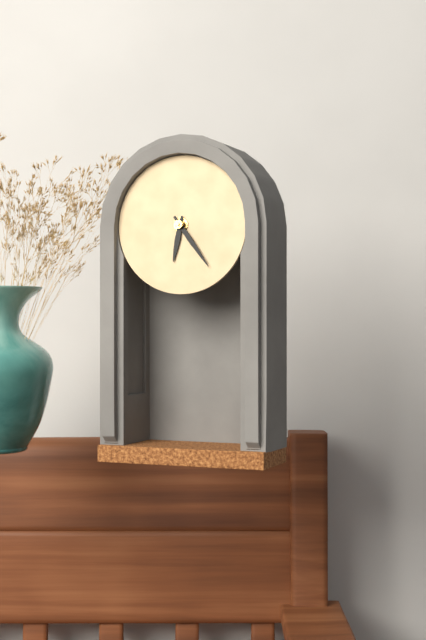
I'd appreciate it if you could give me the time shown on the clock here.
6:24
